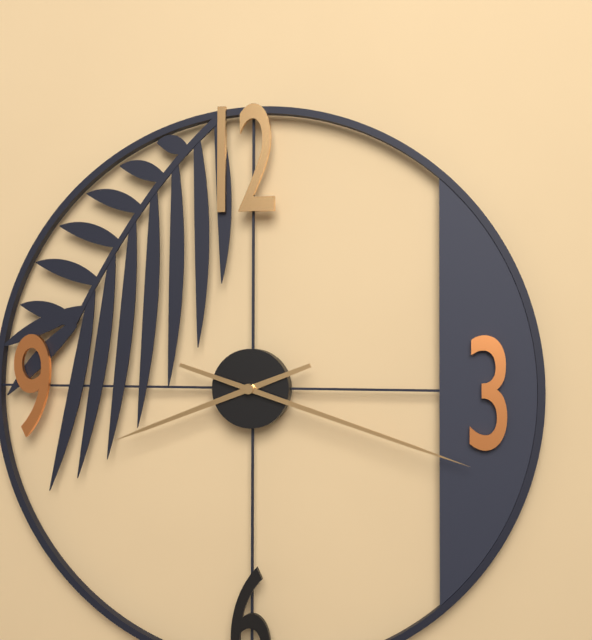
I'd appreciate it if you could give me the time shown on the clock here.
8:18
